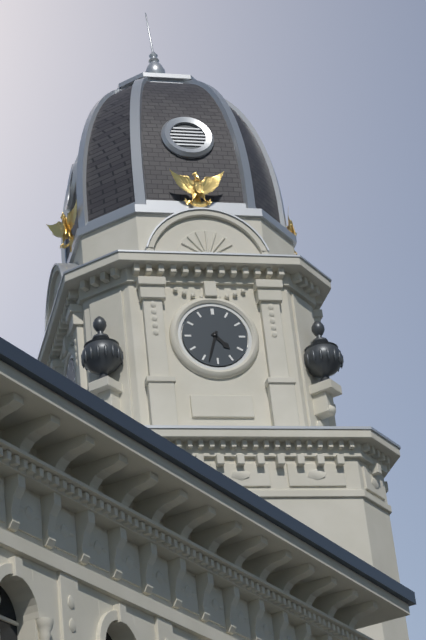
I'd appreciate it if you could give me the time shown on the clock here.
4:33
